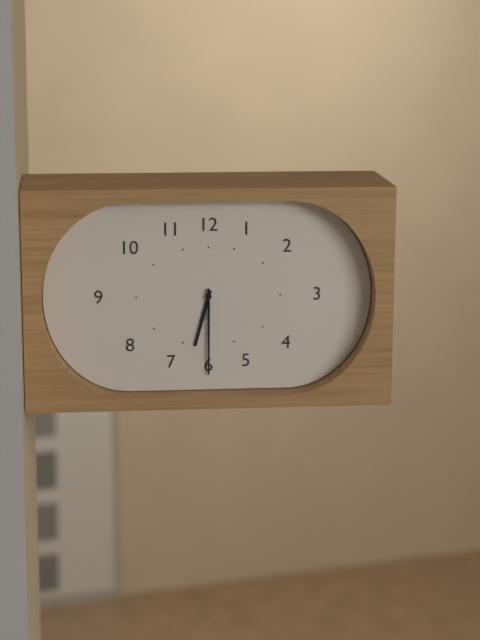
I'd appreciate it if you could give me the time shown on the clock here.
6:30
